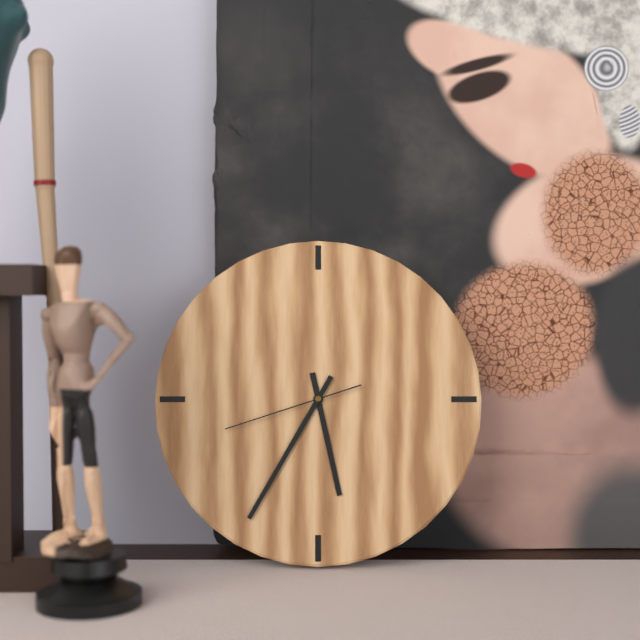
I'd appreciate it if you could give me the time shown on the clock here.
5:35:42
